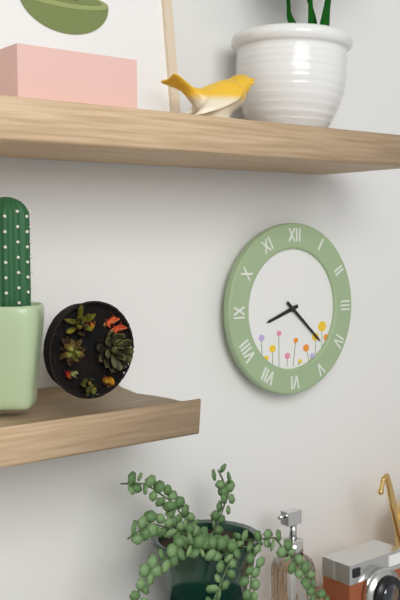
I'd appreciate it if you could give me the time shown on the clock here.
8:22
